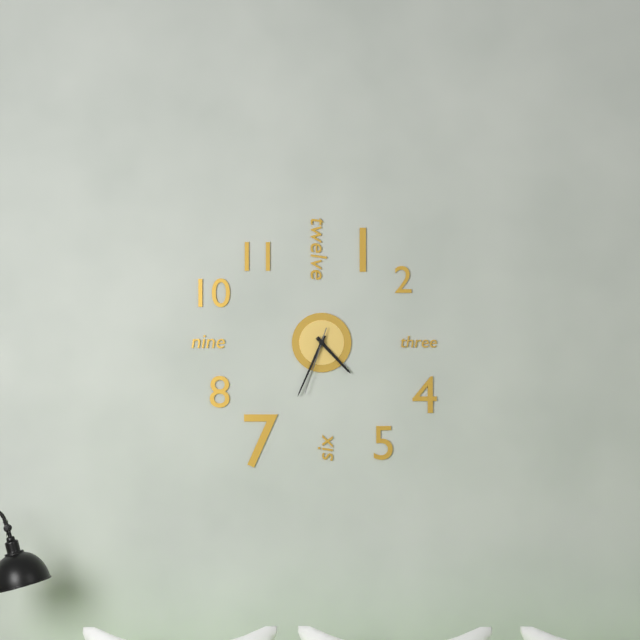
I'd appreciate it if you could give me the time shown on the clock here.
4:34:33
